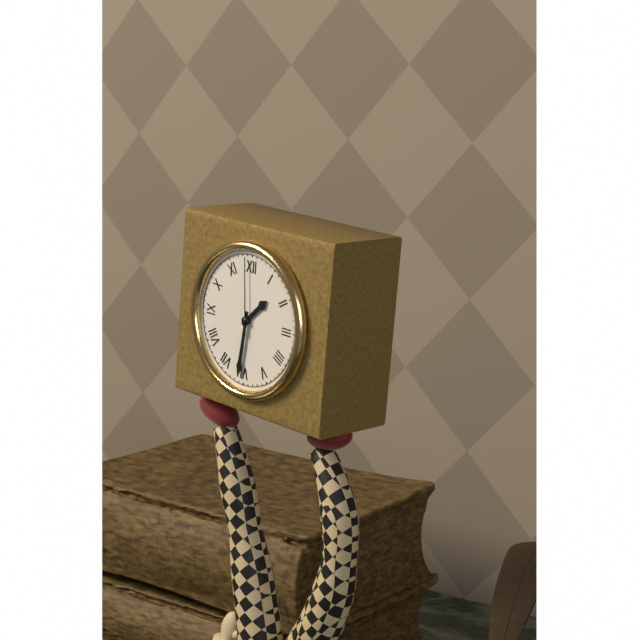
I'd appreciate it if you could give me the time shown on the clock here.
1:31:59
